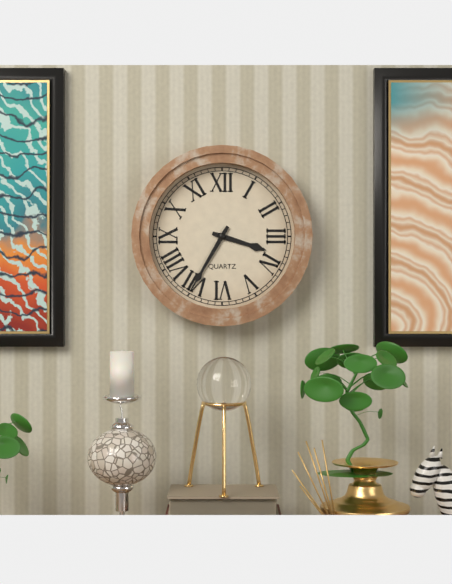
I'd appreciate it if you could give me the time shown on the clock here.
3:35
